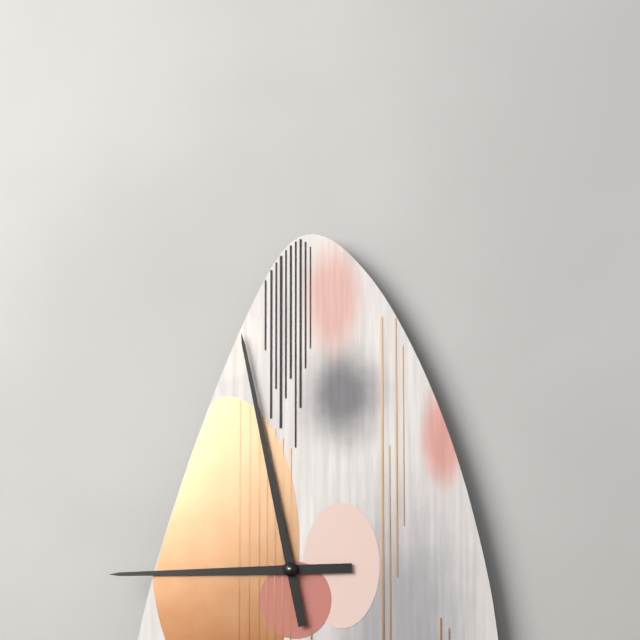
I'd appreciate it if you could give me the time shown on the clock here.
8:58
